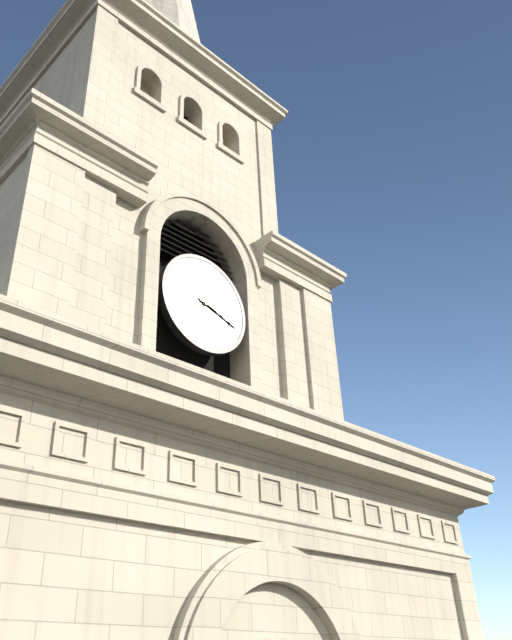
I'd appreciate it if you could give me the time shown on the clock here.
3:18
